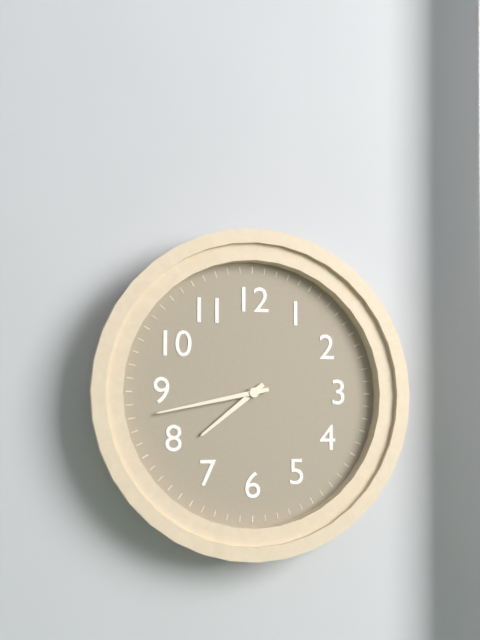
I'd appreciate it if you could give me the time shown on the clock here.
7:43
